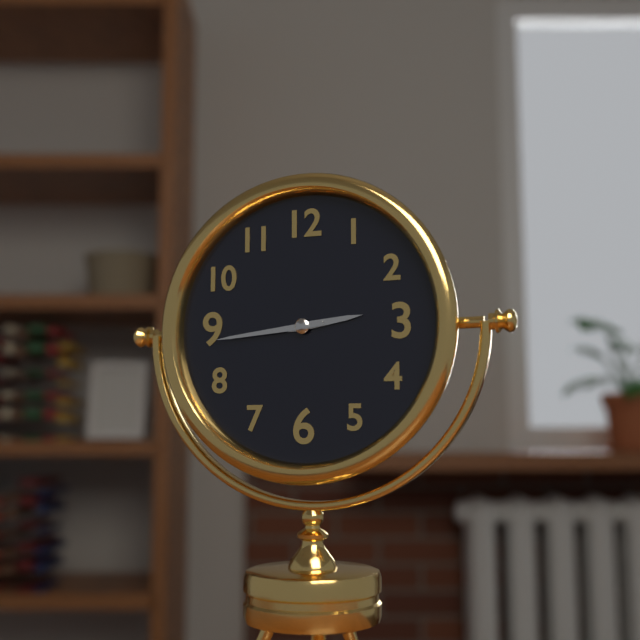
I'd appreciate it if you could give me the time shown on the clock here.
2:44
